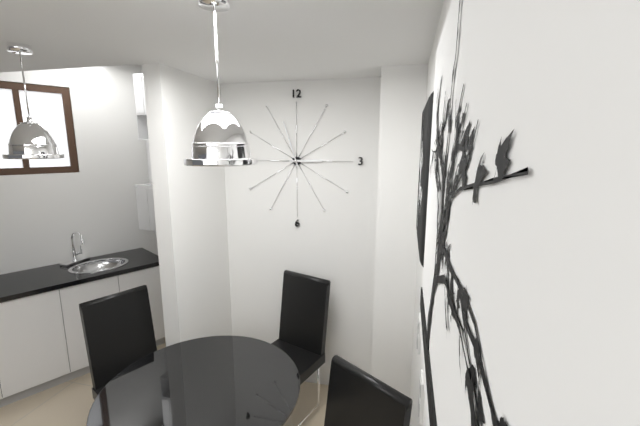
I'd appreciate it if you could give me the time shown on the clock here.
2:57
